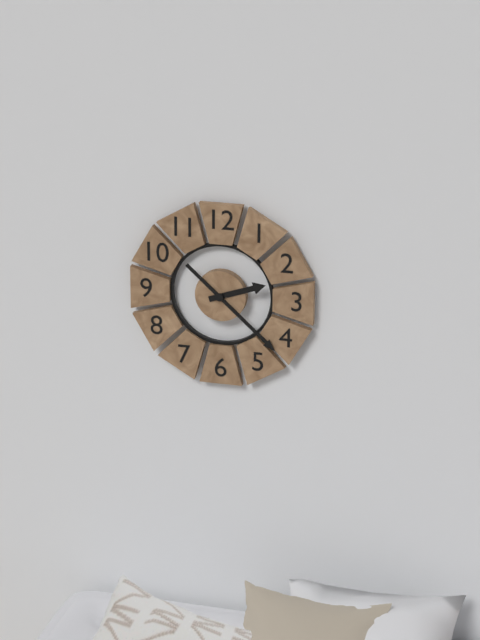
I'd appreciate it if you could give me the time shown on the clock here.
2:22
